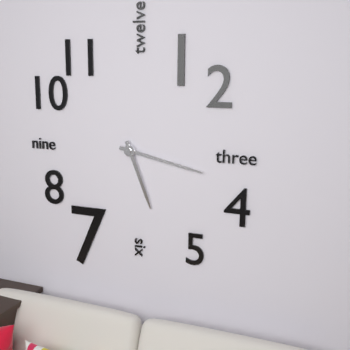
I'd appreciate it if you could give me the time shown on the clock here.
5:17
